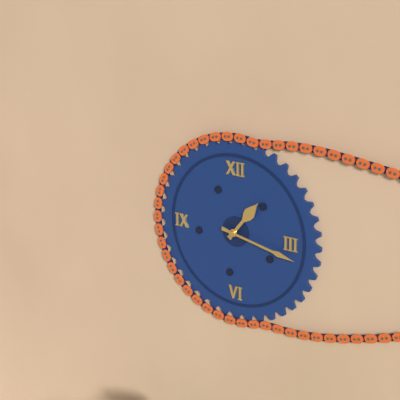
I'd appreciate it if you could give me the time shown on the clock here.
1:17
